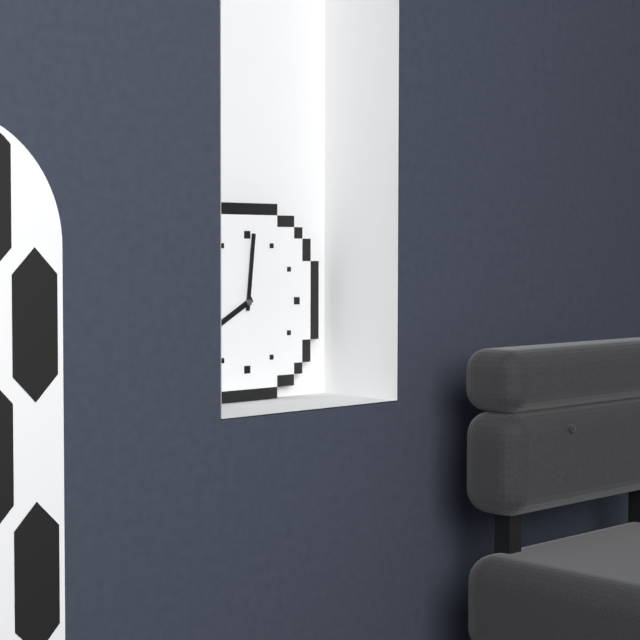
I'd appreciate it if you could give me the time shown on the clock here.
8:01
